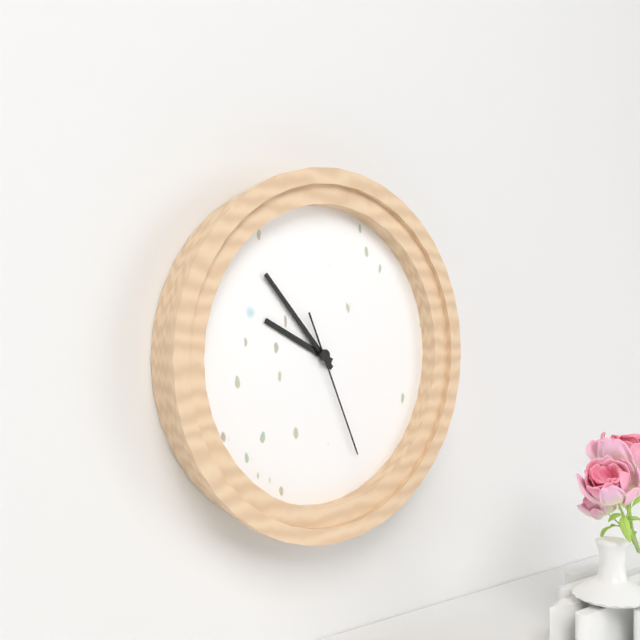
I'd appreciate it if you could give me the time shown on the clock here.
9:53:26
